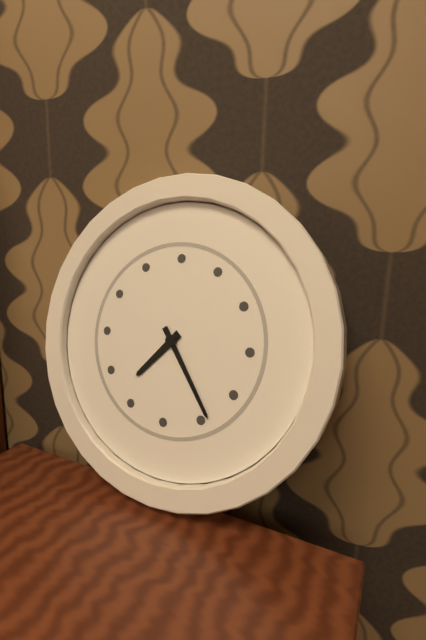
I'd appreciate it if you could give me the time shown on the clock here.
7:24
